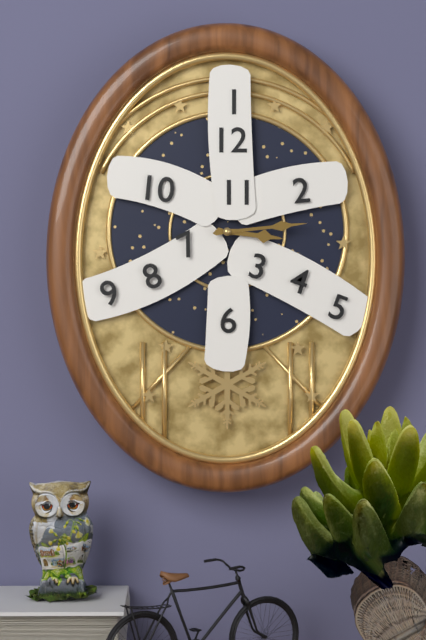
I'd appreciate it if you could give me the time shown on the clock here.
3:14
